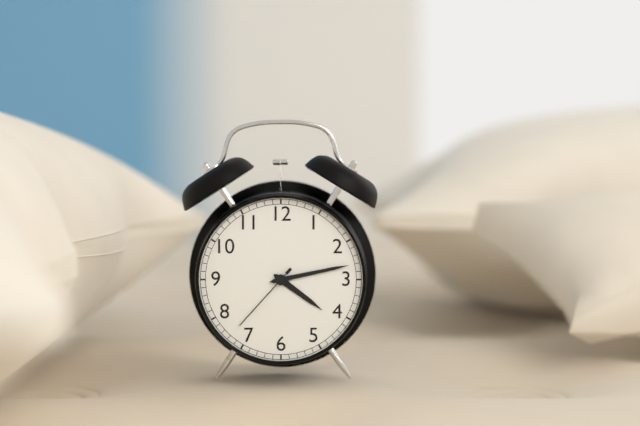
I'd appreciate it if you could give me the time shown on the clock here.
4:13:37
